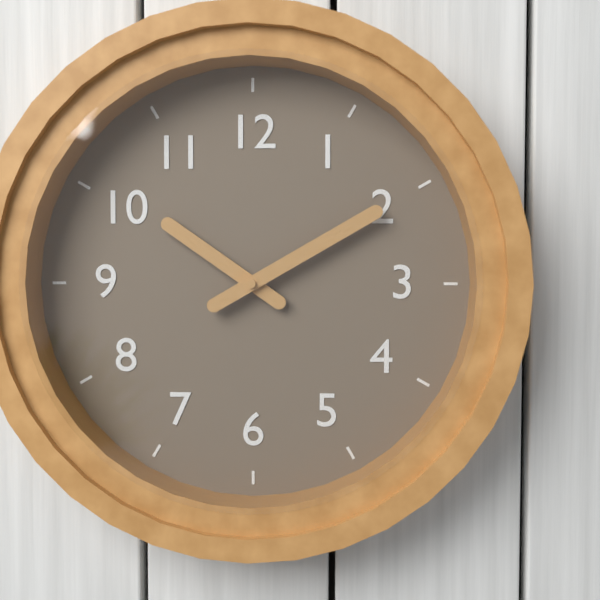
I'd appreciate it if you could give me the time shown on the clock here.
10:10
